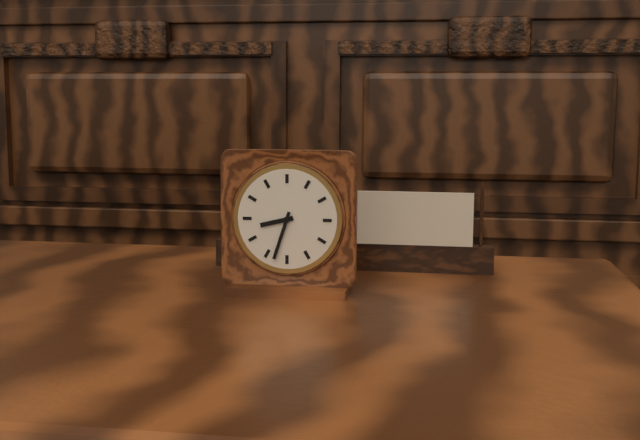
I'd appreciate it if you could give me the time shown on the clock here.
8:33
